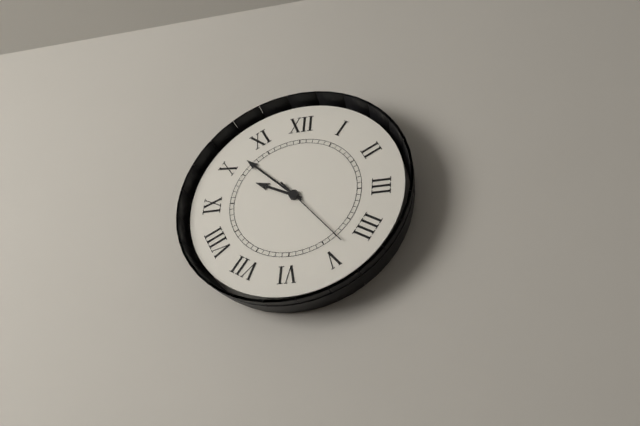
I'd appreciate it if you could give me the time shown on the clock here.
9:52:23
